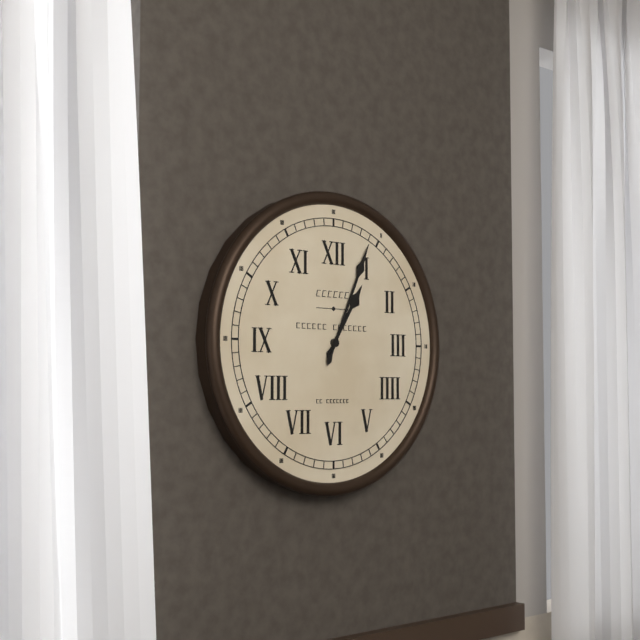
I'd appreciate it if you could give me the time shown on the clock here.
1:04
